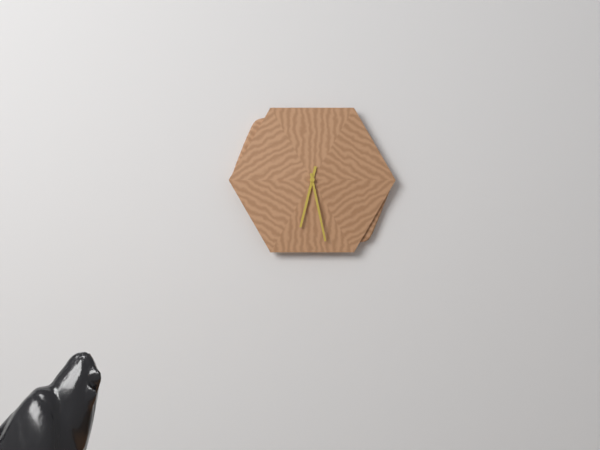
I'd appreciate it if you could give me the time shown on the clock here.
6:28
